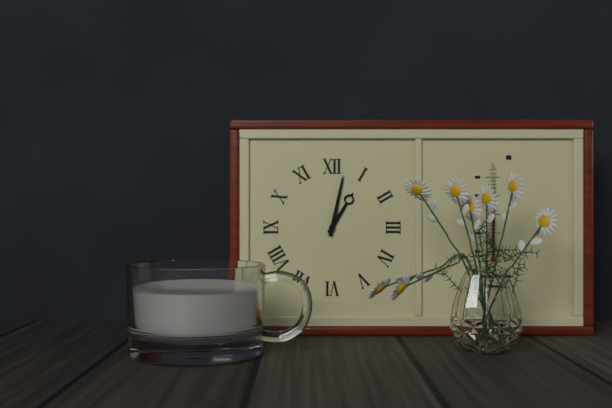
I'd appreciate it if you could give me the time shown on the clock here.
1:02
